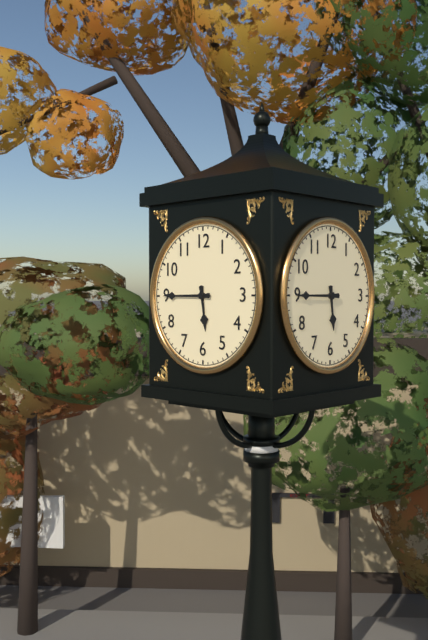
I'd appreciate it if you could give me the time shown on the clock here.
5:45
